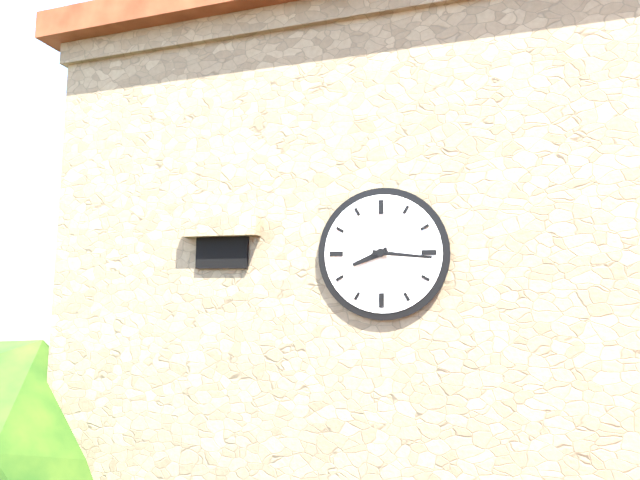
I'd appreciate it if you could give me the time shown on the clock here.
8:16
